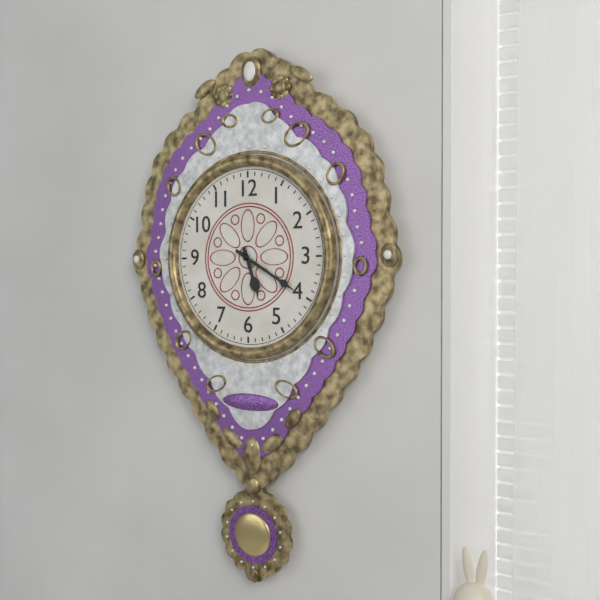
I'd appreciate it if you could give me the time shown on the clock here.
5:20
